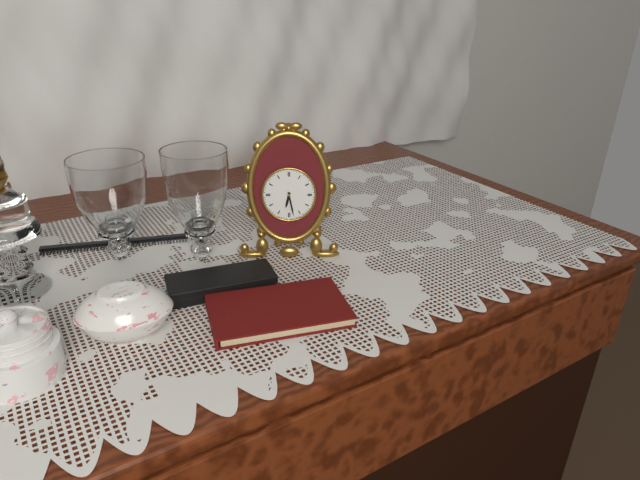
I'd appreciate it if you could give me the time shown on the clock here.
6:28
